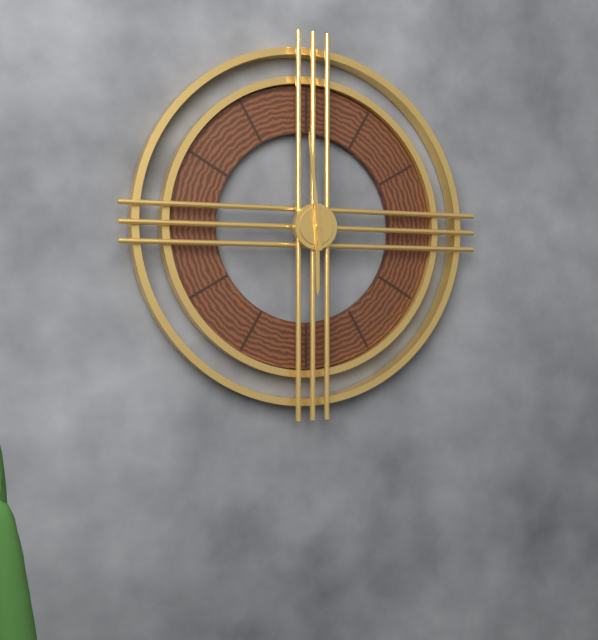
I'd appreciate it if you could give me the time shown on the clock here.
5:59
